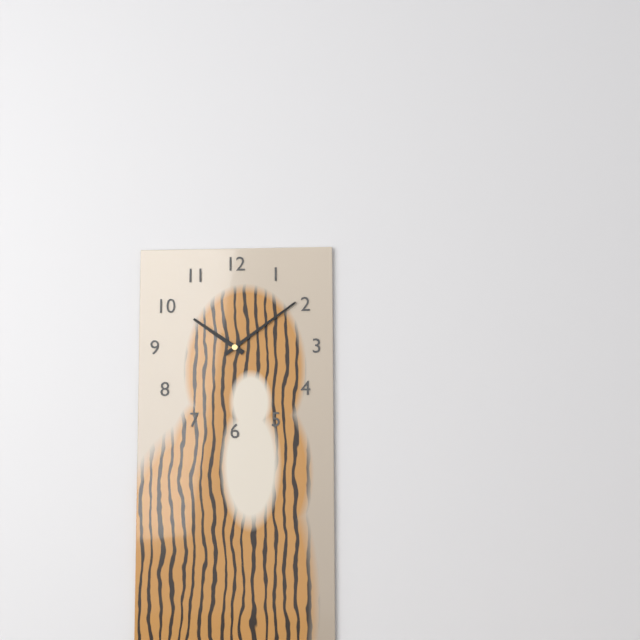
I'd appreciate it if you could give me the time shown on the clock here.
10:09
